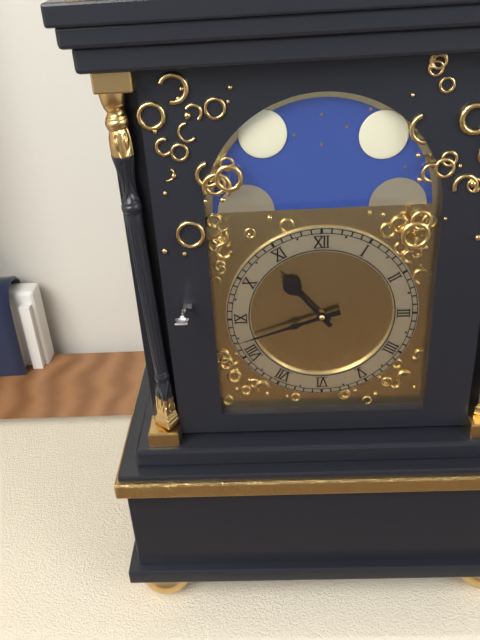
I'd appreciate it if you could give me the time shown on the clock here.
10:42
